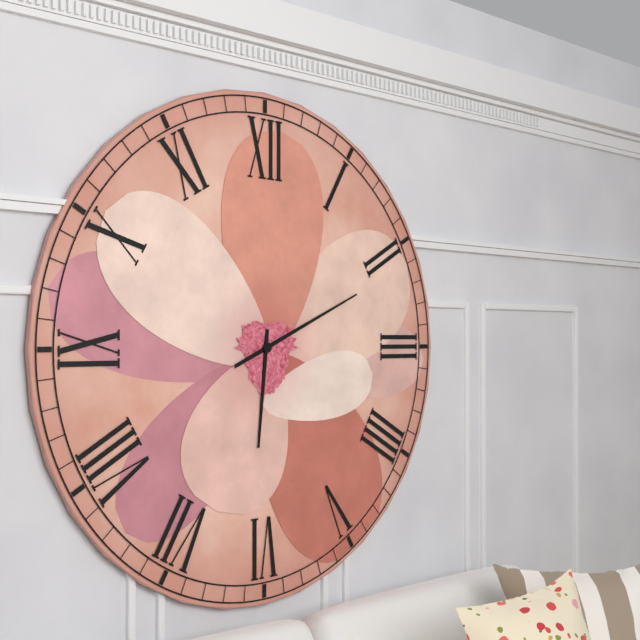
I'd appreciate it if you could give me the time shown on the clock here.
6:11
